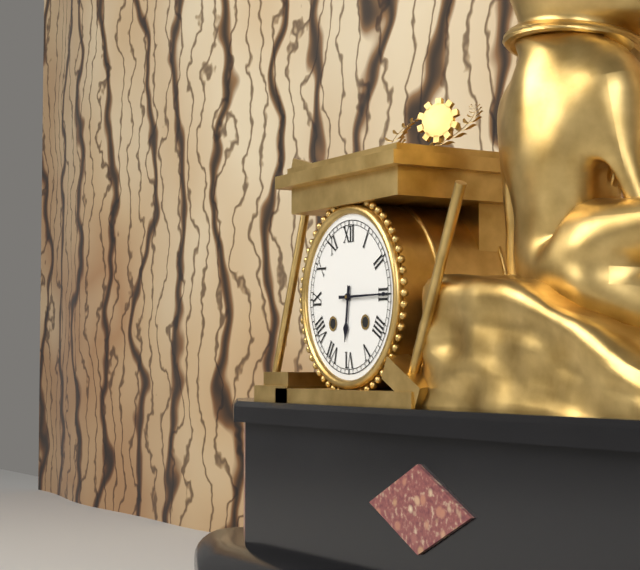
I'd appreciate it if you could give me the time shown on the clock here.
6:15
